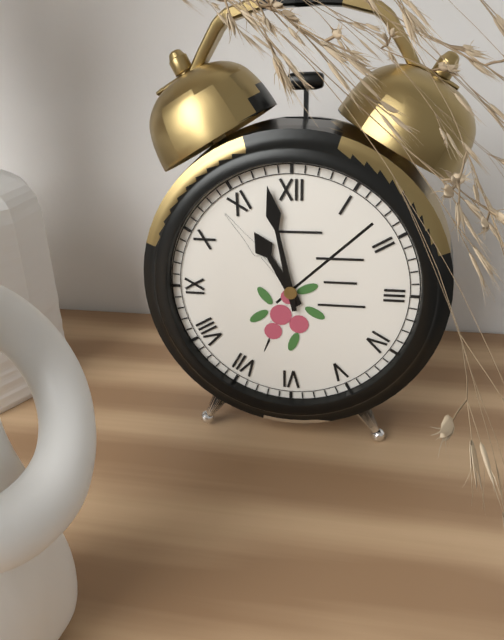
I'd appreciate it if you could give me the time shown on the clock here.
10:58
